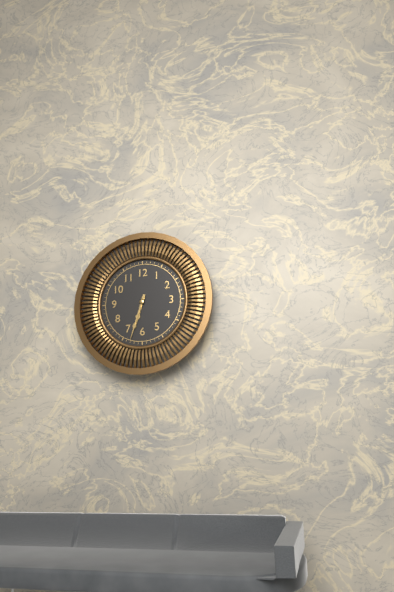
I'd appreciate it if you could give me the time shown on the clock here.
6:33
